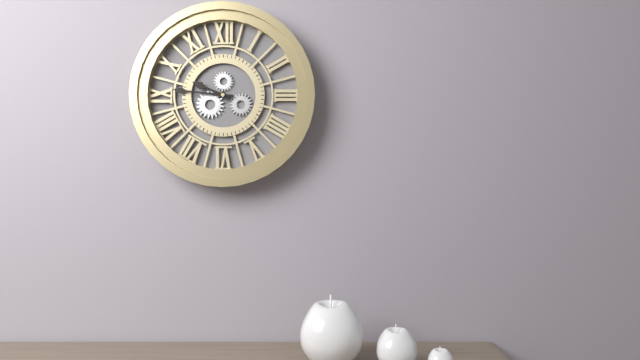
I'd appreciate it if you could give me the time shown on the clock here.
9:46
